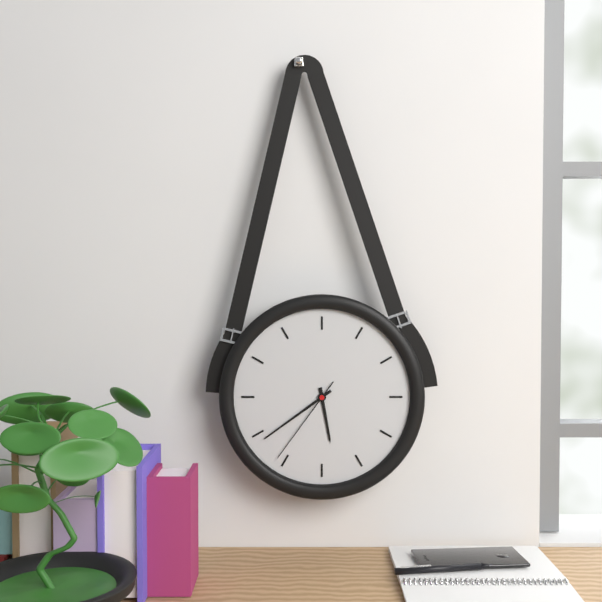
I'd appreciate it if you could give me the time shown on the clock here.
5:39:36
